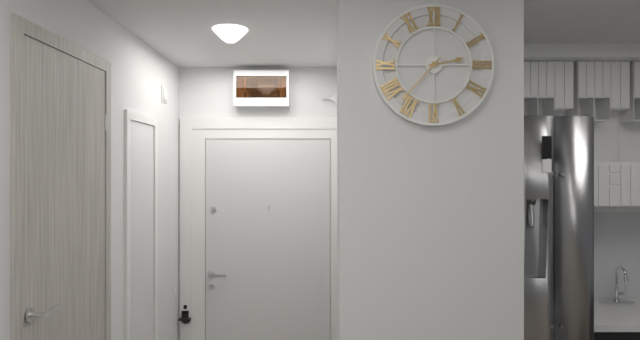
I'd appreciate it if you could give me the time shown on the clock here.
2:37
